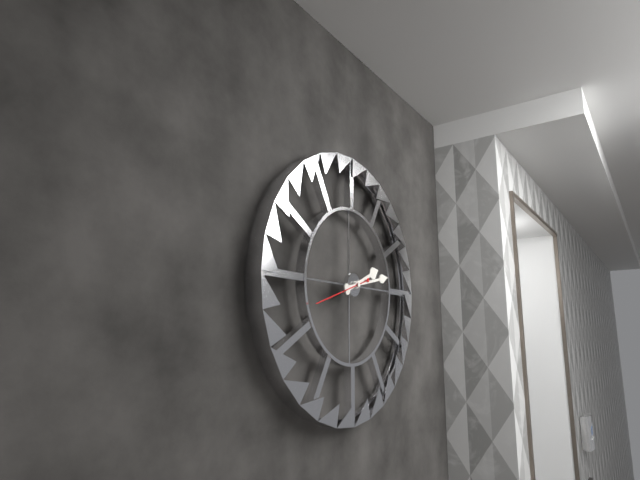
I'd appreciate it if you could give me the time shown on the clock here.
2:13:42
